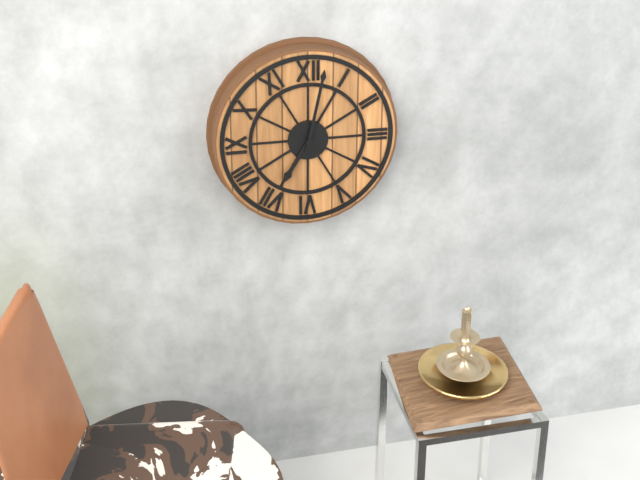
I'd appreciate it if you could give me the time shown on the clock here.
7:02
